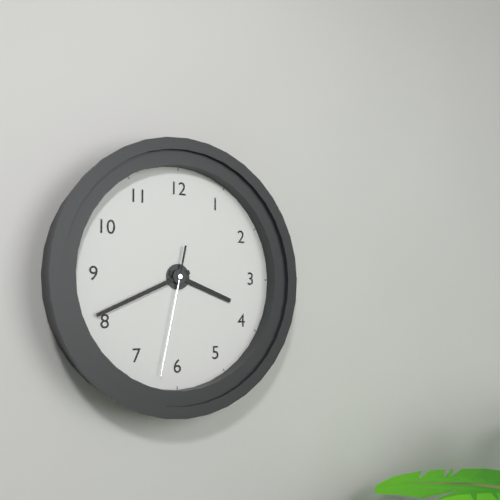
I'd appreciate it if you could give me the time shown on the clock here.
3:41:32
